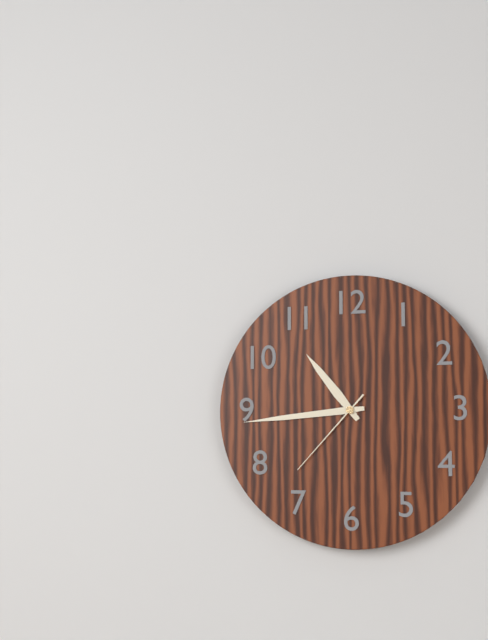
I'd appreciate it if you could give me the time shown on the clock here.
10:44:37
